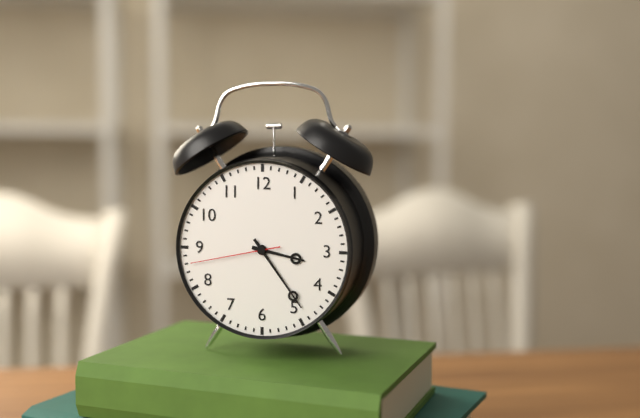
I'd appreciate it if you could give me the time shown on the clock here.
3:24:43
